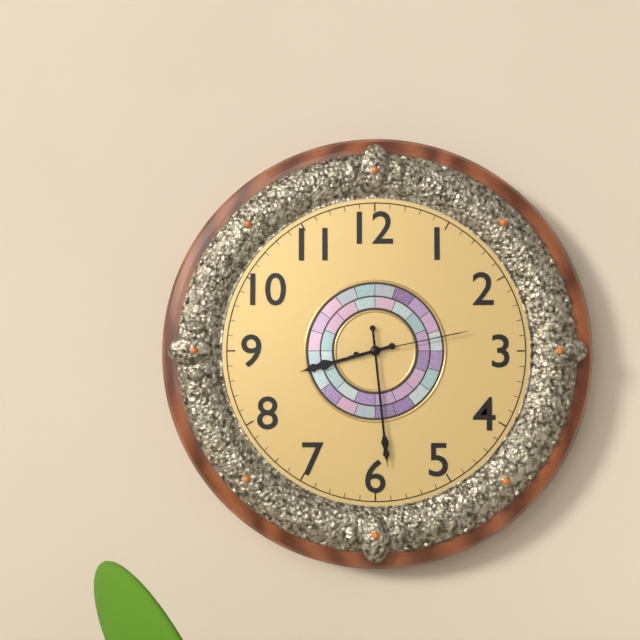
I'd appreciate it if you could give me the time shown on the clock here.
8:29:13
